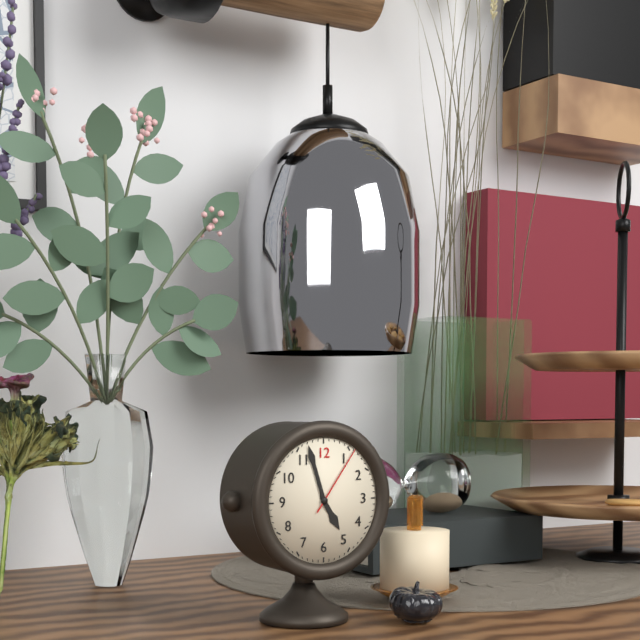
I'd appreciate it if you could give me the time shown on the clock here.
4:57:06
